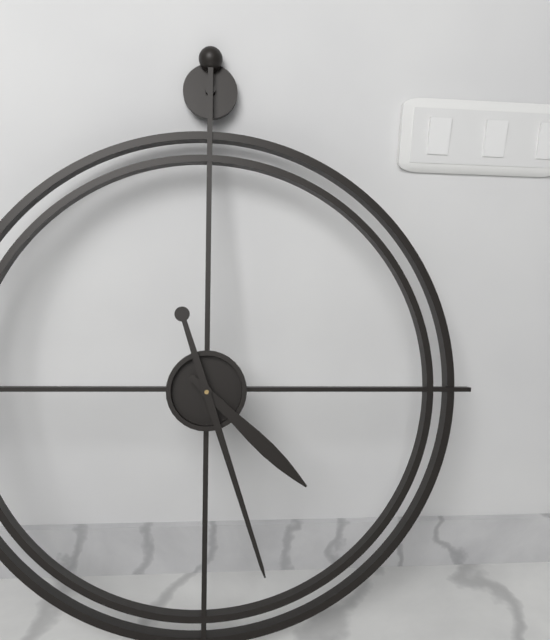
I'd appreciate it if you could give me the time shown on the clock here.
4:27
